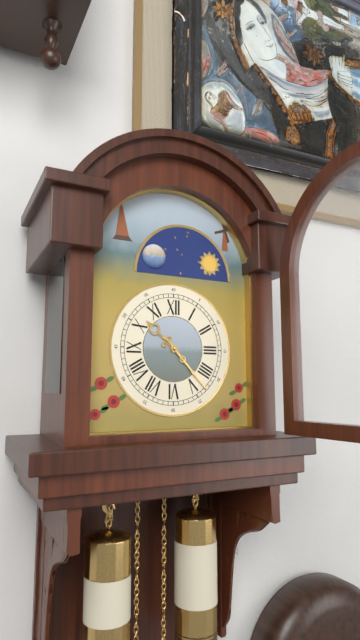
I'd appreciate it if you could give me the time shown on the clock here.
10:23
